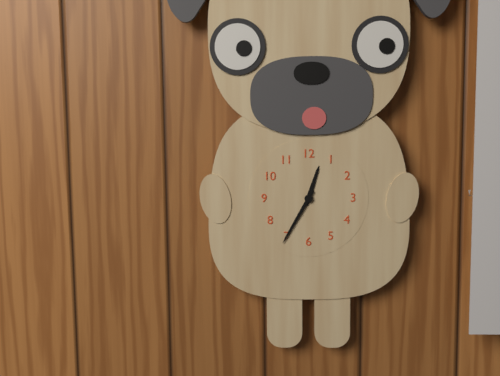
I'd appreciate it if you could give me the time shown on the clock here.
12:35
